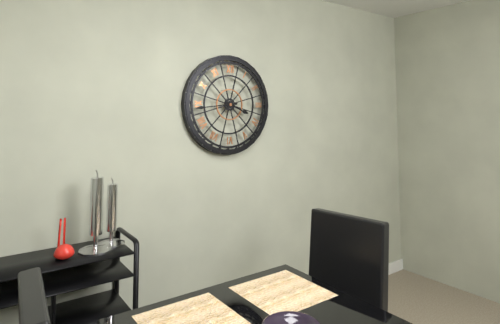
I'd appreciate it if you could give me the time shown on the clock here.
3:44
